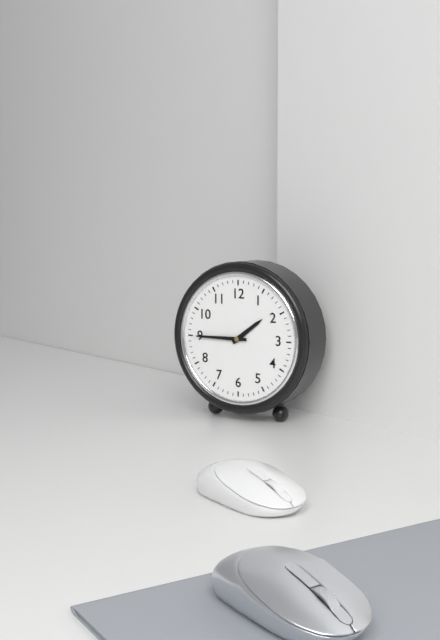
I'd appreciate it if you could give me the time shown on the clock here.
1:45
